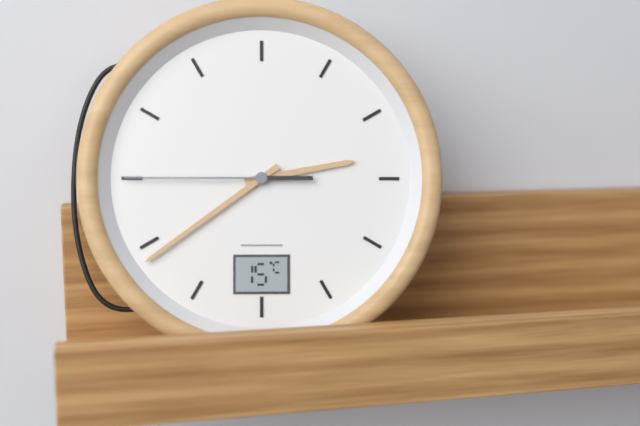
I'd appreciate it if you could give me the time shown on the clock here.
2:39:45
